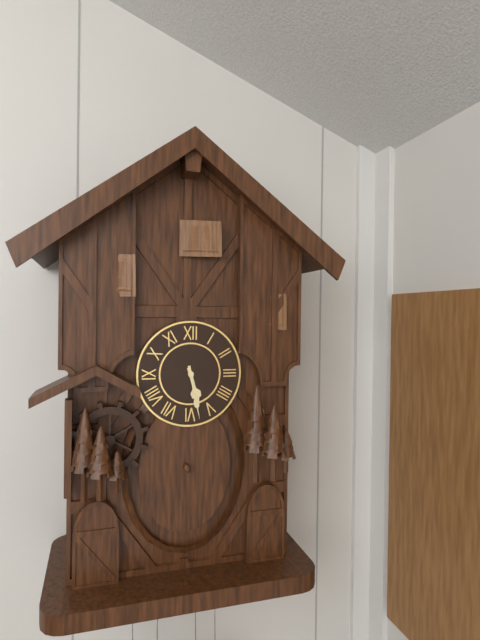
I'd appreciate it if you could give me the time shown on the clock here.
5:28
